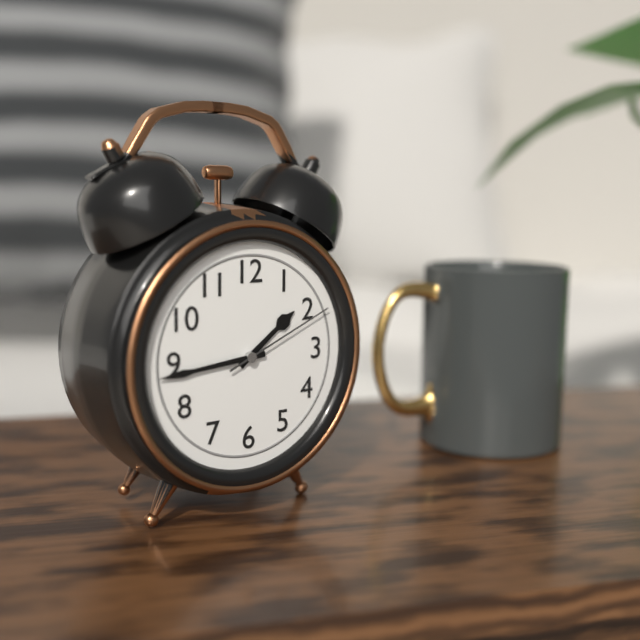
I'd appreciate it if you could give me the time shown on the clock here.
1:44:11
